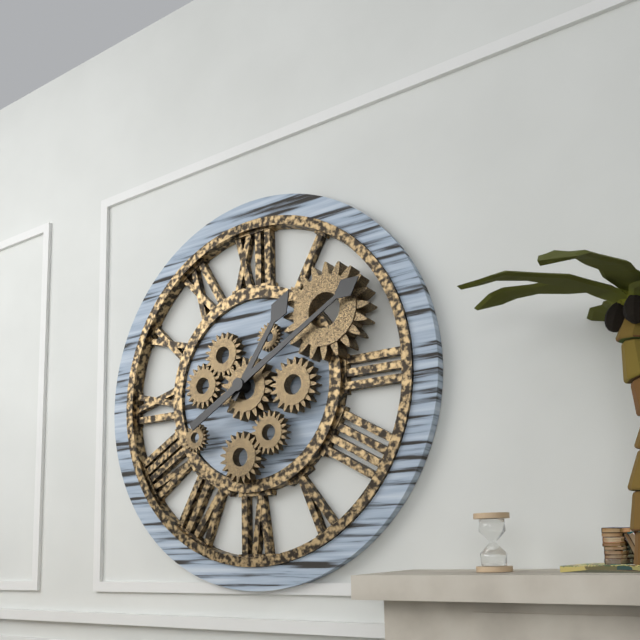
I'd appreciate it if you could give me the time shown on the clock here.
1:10
